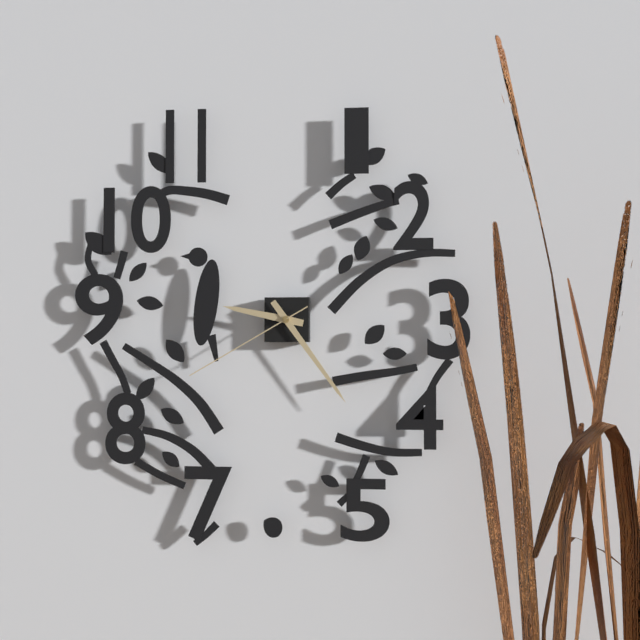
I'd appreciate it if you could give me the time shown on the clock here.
9:24:40
